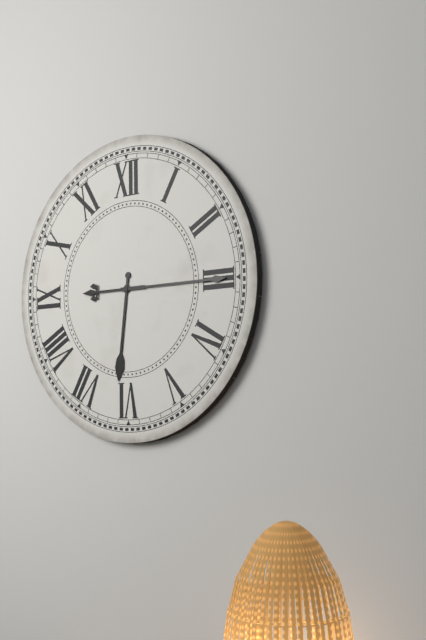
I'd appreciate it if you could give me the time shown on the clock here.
6:15
